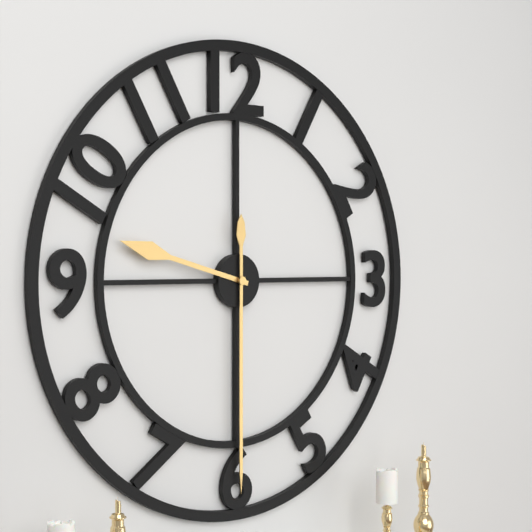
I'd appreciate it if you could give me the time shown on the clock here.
9:30
